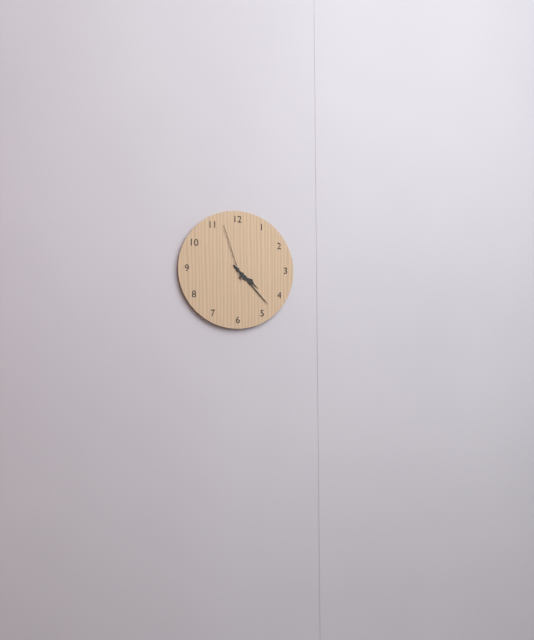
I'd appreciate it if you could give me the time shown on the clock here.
4:23:57
